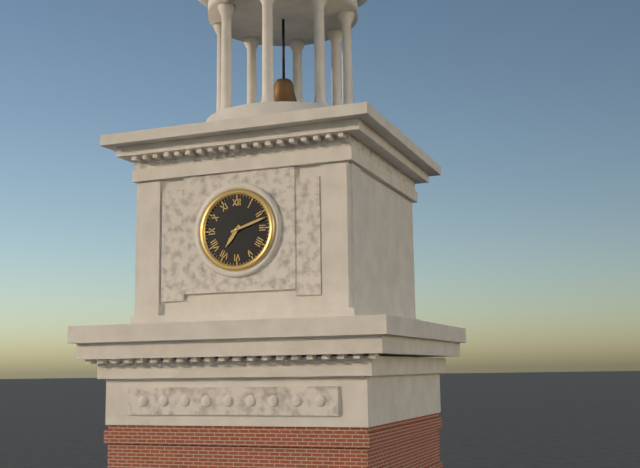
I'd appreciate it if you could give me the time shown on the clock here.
7:12
